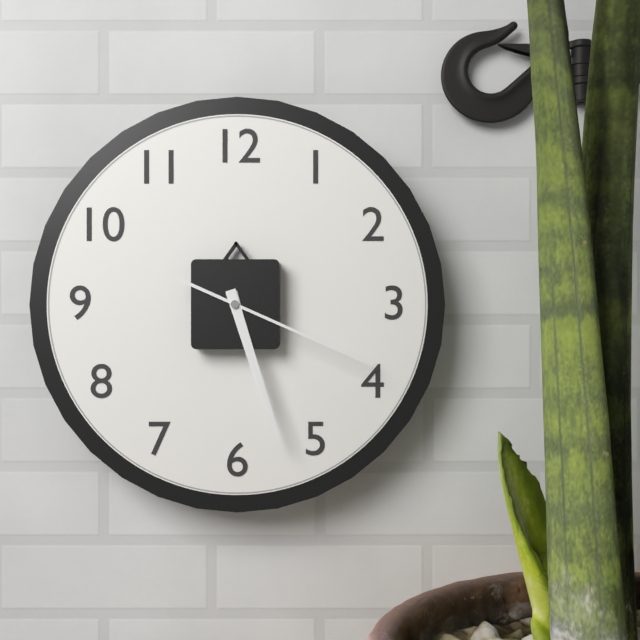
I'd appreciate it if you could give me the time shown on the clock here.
5:27:19
